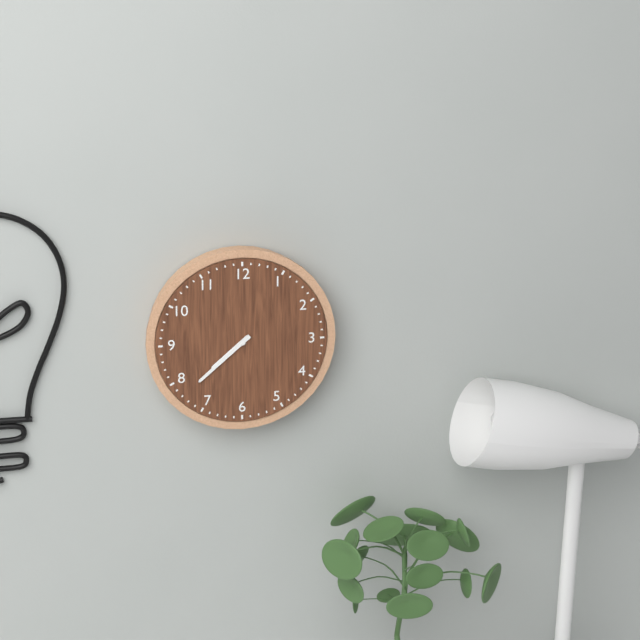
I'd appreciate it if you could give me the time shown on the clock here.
7:38
